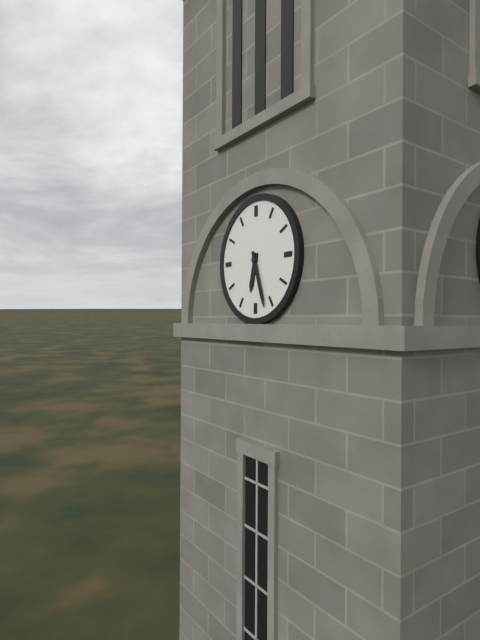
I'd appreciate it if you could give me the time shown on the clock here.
6:27
